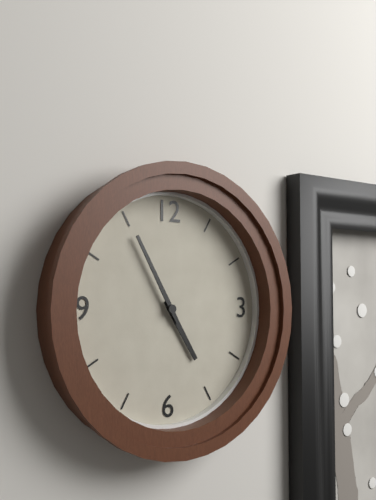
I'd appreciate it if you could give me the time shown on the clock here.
4:55
